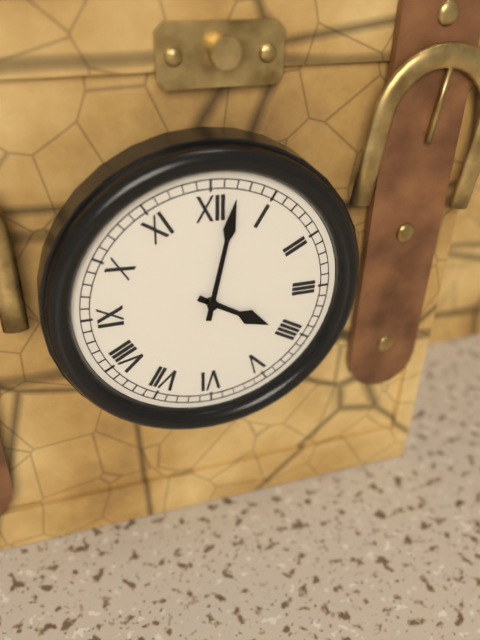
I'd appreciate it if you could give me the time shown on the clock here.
4:02
